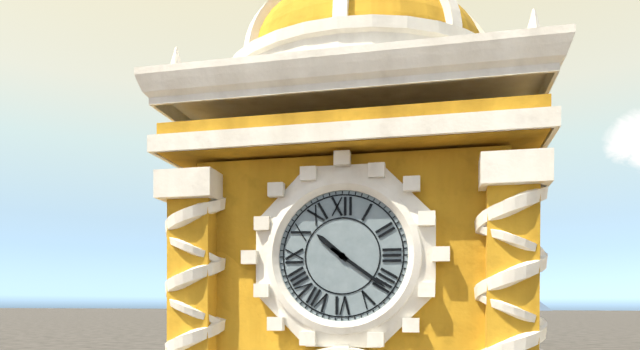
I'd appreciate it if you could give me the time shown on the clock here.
10:21
